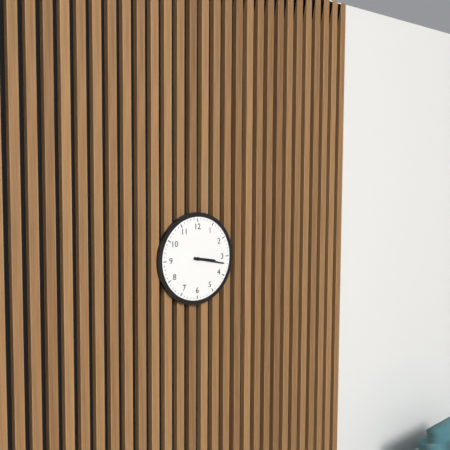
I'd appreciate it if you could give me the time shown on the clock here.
3:17
